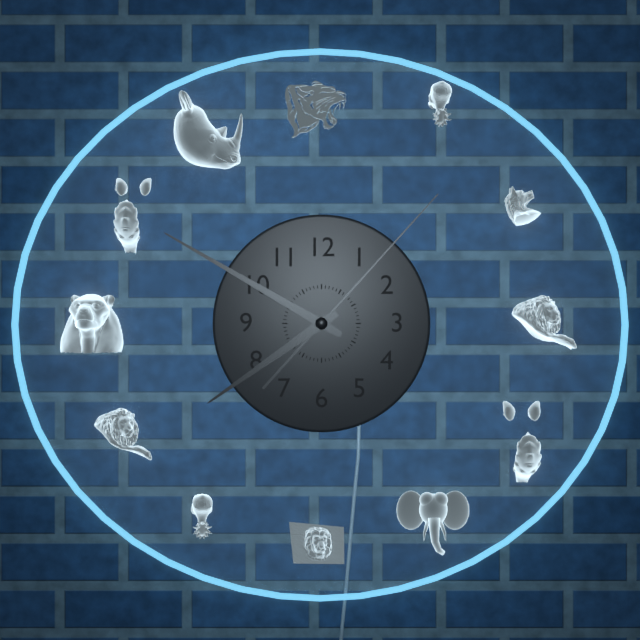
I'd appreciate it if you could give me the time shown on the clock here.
7:50:07
